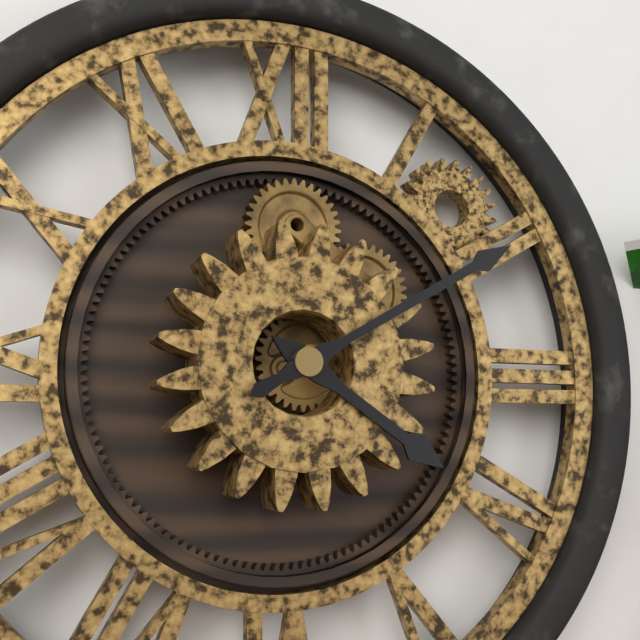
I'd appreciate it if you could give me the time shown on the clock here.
4:10
